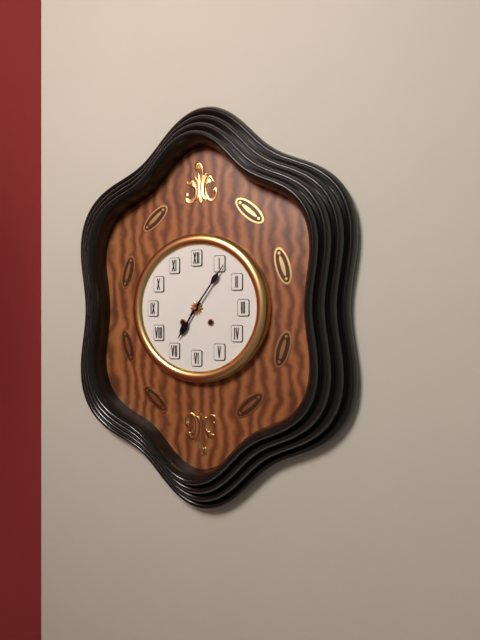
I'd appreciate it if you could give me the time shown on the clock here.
7:06
